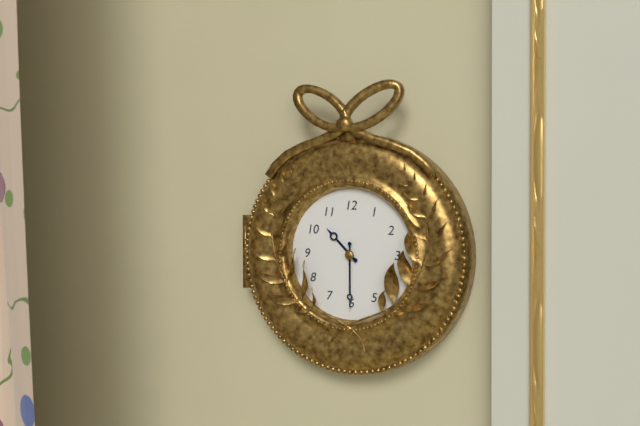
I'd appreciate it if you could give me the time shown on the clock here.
10:30
